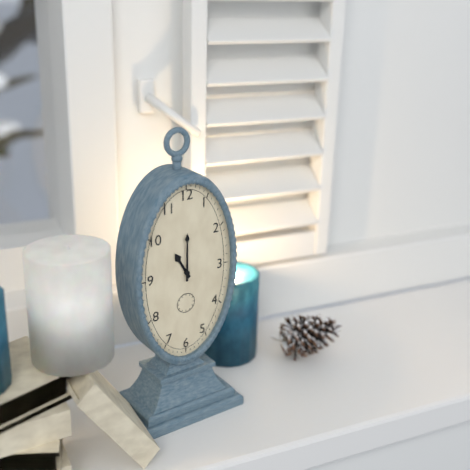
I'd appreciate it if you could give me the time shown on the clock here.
11:00
